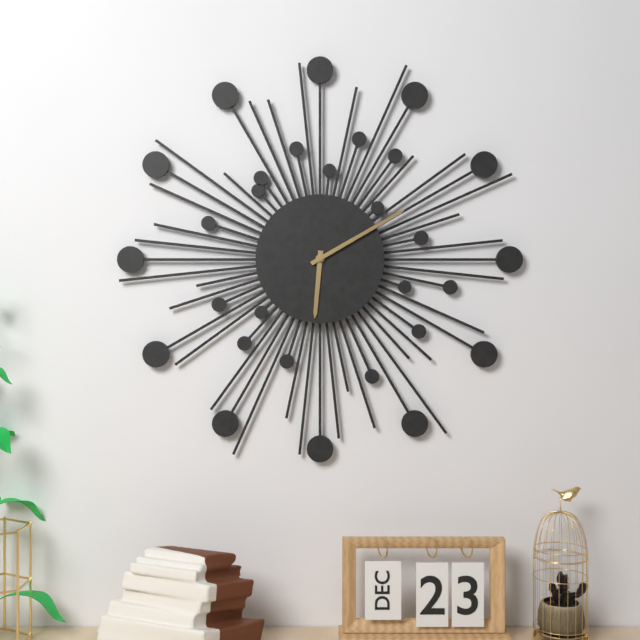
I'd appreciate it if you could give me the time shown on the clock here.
6:10
